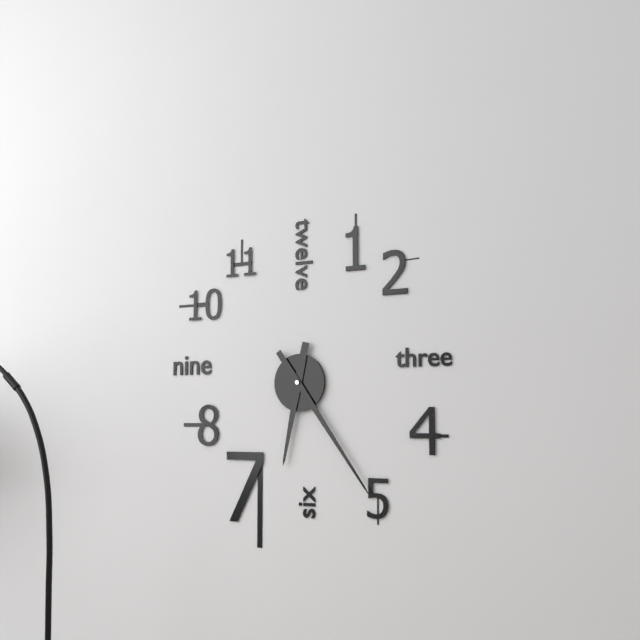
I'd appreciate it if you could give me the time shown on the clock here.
6:24
